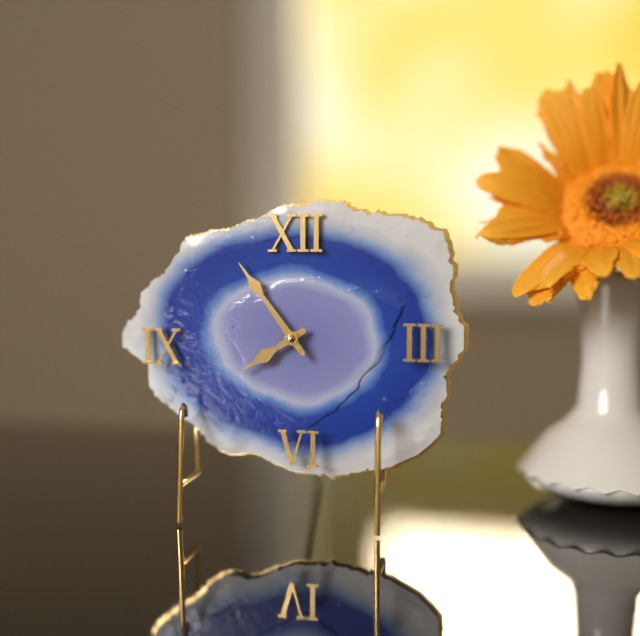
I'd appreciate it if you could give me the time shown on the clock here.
7:54
